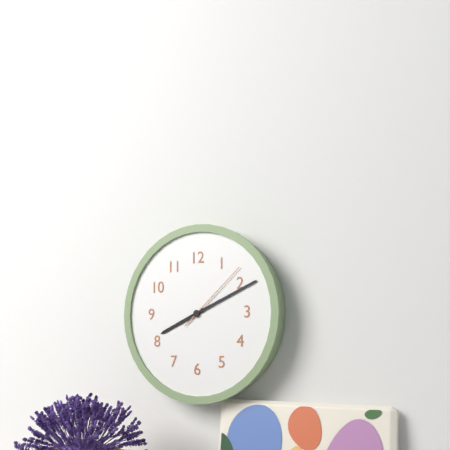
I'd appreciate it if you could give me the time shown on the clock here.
8:11:08
